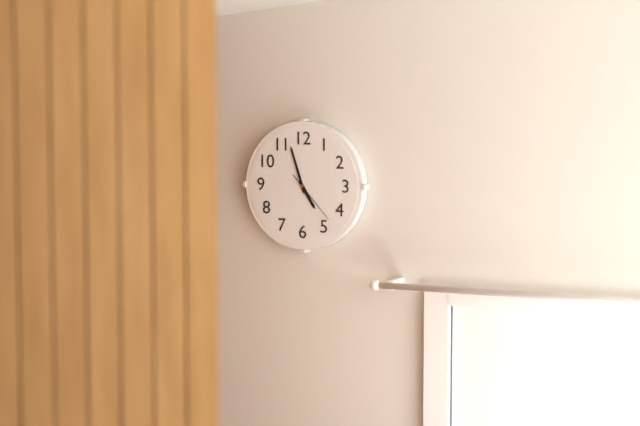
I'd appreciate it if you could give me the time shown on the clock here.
4:57
